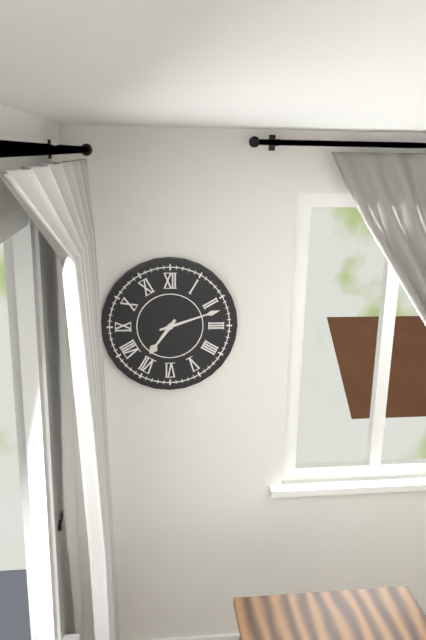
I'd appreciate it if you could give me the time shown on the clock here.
7:12
